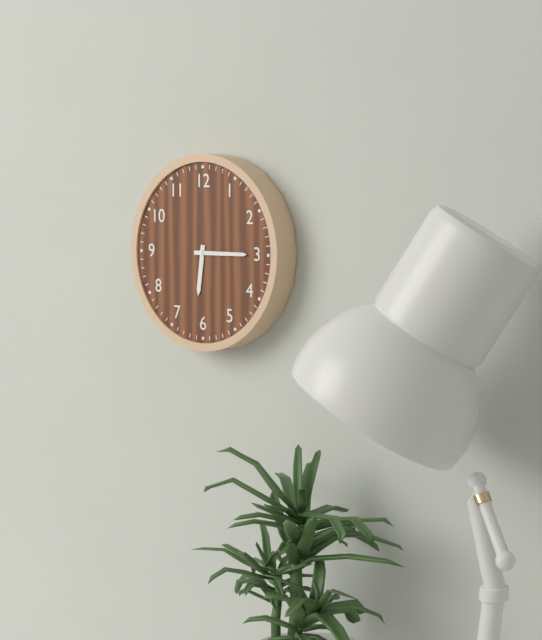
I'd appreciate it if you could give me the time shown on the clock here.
6:15
